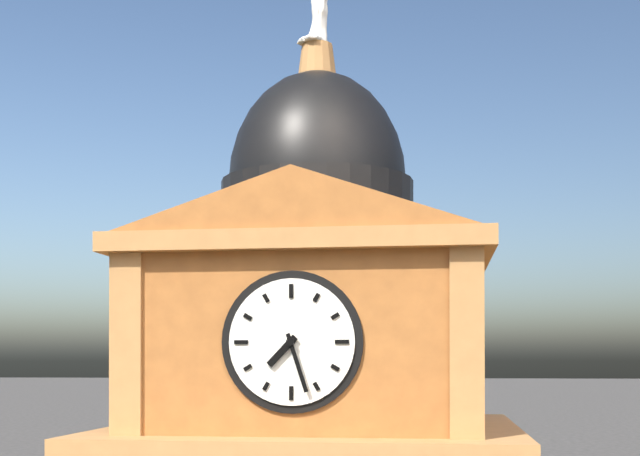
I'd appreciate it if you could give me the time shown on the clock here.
7:27
